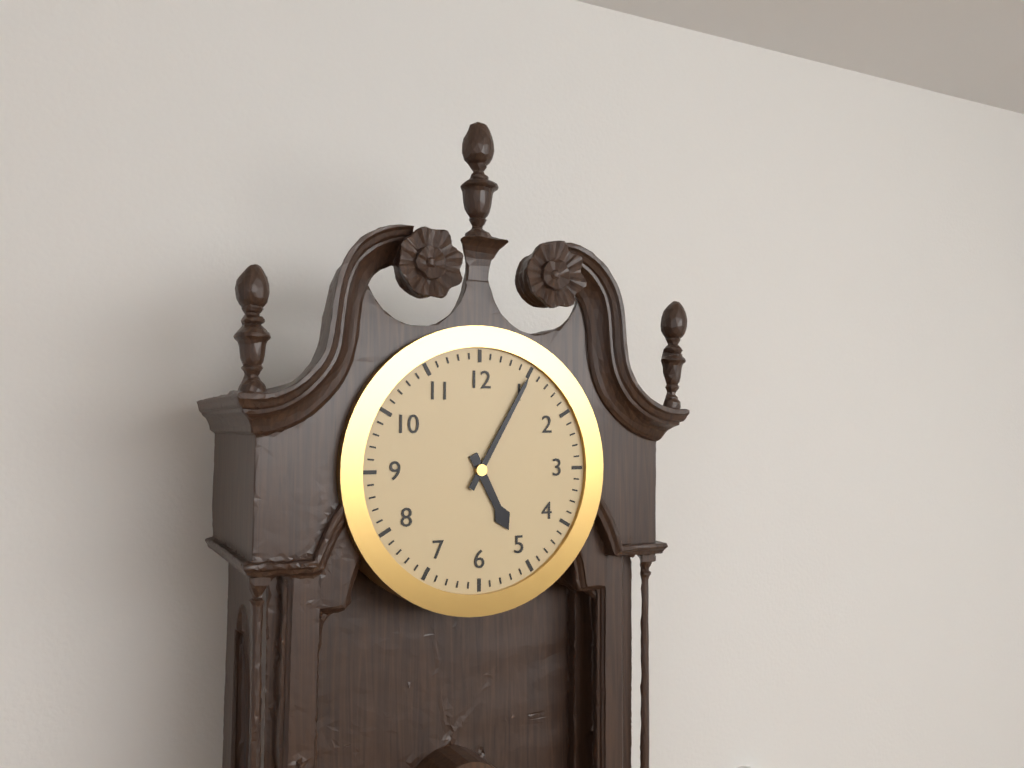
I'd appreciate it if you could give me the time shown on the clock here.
5:05
